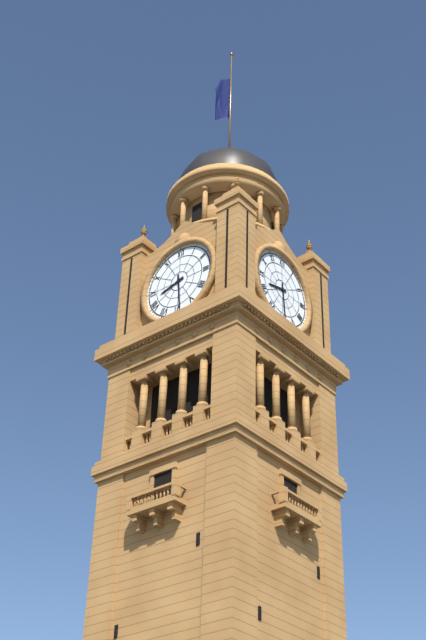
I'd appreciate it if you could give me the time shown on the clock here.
8:29
